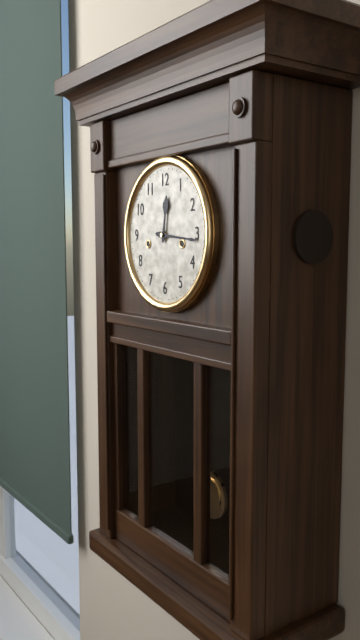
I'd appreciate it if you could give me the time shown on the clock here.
12:16
